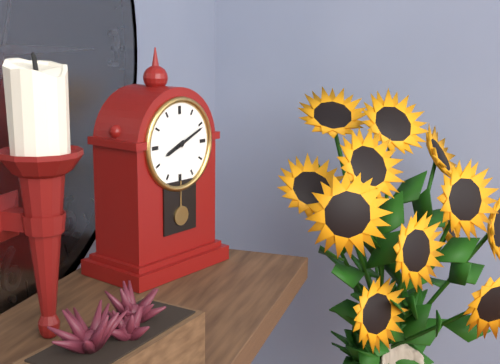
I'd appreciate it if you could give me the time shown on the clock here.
8:11
